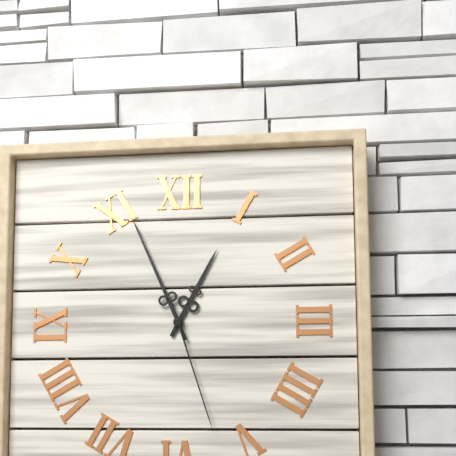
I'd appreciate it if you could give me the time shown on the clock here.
12:56:27
